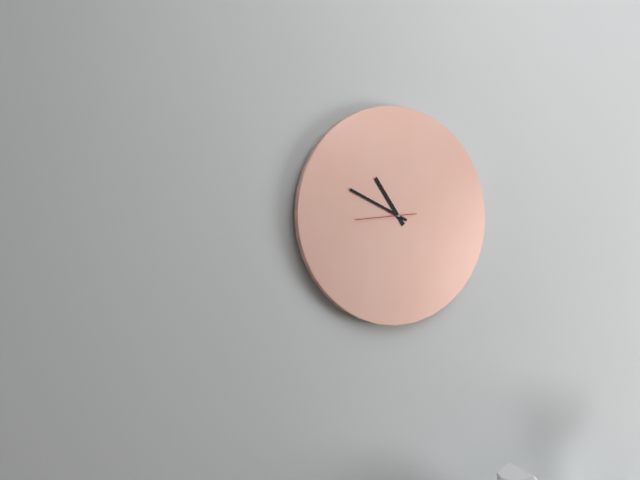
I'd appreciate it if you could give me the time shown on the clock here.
10:49:44
